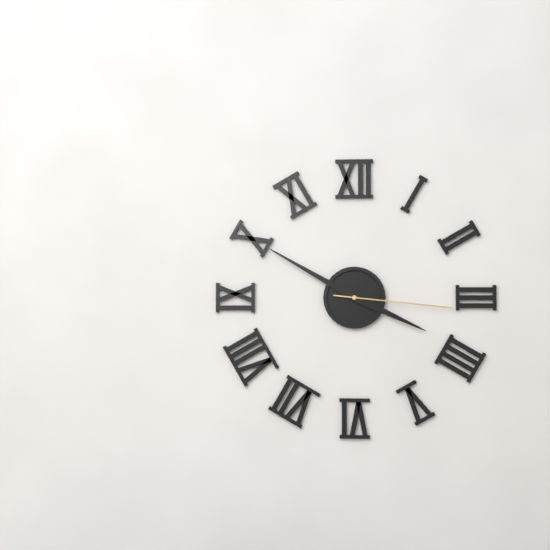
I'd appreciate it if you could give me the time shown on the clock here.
3:50:16
